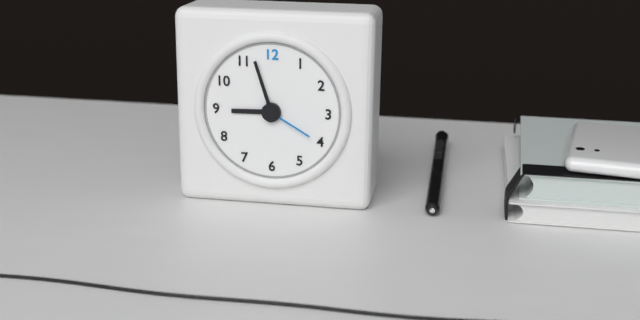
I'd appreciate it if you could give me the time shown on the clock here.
8:57:20
